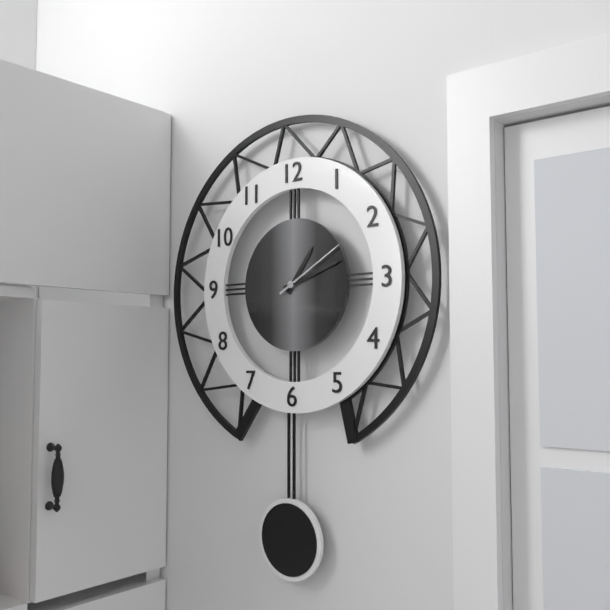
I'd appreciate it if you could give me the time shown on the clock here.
1:12:10
